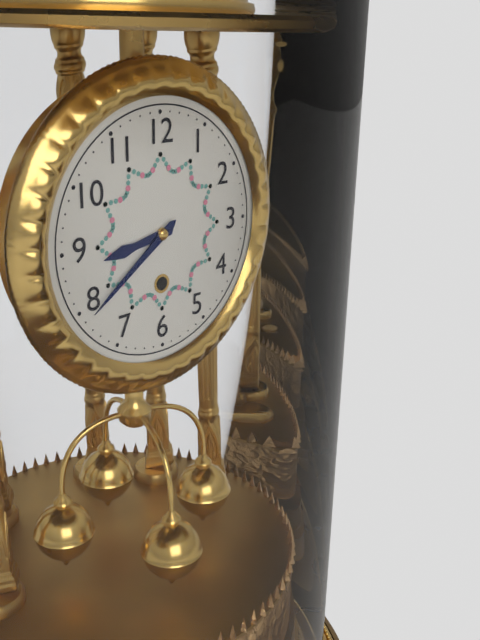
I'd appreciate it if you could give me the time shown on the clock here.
8:39
